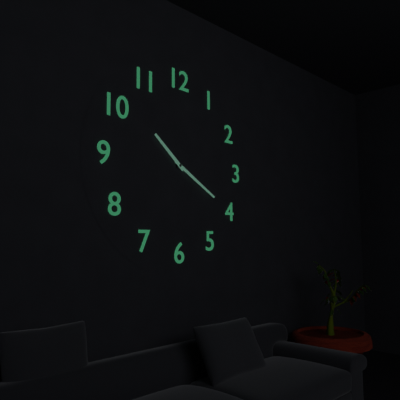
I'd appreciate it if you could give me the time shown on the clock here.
10:20
